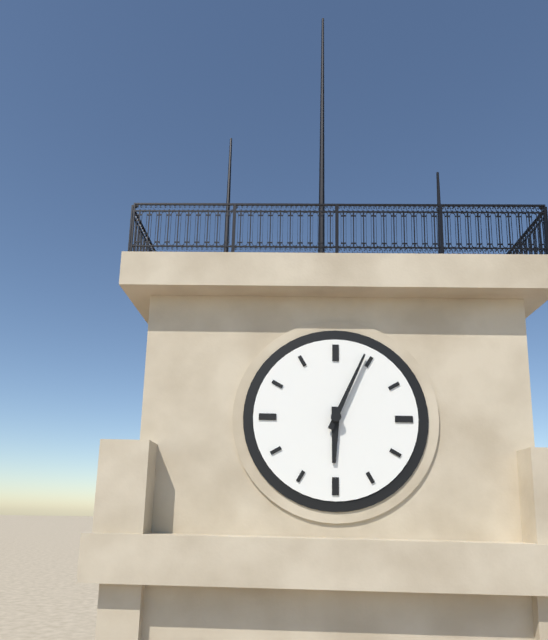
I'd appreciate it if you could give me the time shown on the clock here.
6:04
